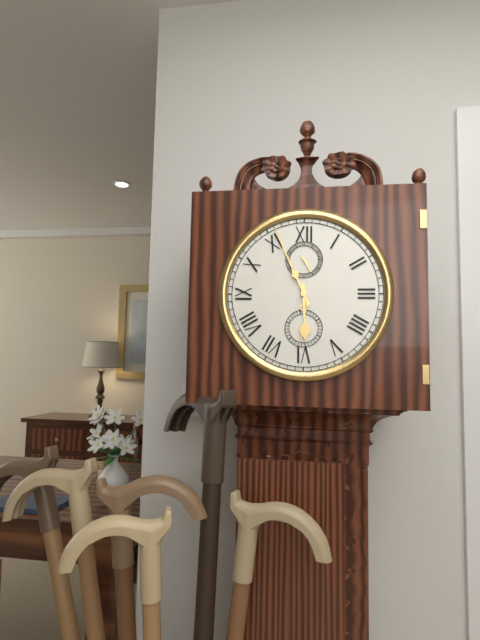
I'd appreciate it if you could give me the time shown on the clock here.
5:56
